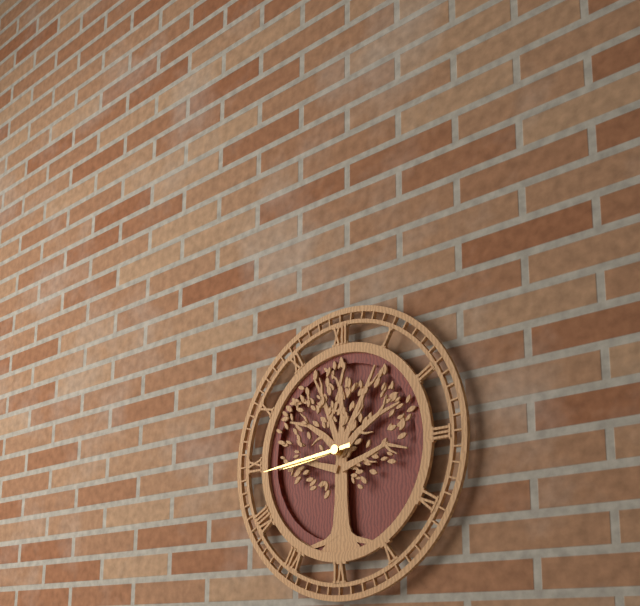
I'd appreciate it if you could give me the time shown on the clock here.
8:44
